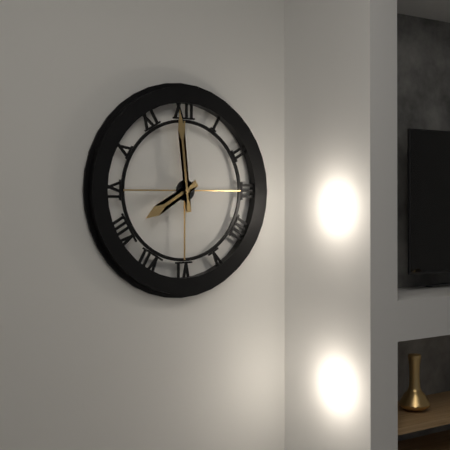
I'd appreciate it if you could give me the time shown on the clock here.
7:59
